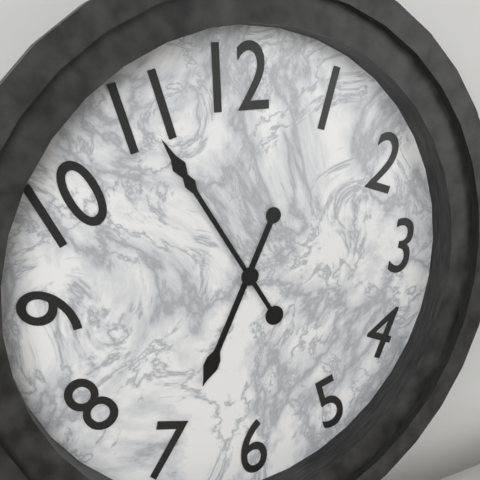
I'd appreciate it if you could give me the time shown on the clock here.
6:55
